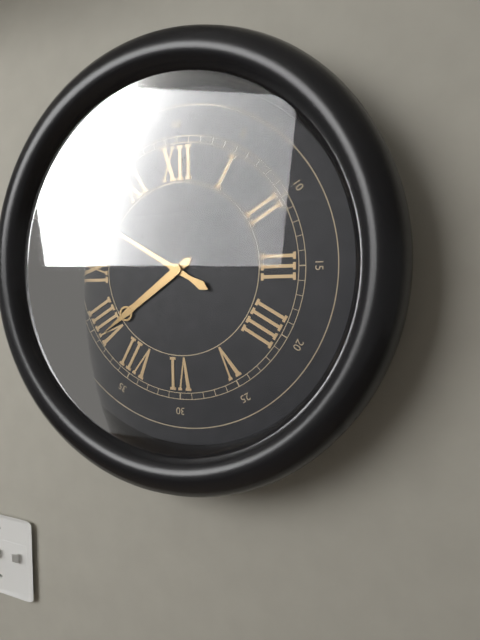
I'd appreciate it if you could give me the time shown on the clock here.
7:50
